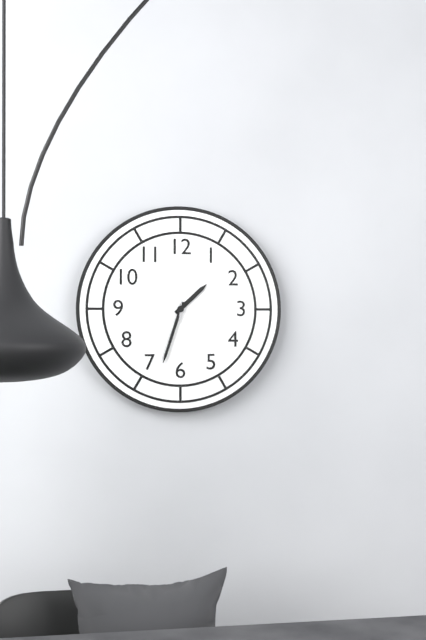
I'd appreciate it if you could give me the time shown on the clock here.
1:33:01
